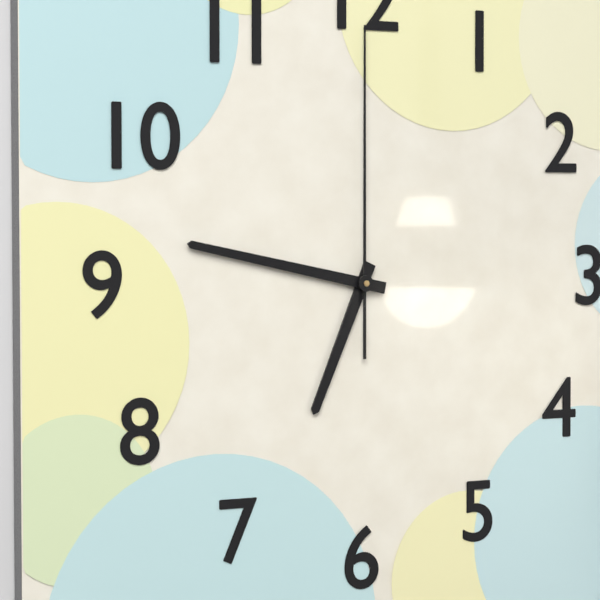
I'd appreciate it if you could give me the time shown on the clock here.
6:47:00
